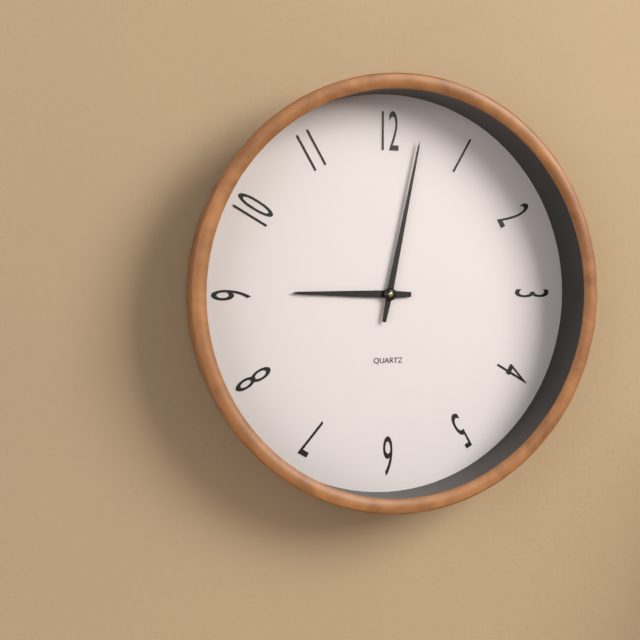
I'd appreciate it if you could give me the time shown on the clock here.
9:02
